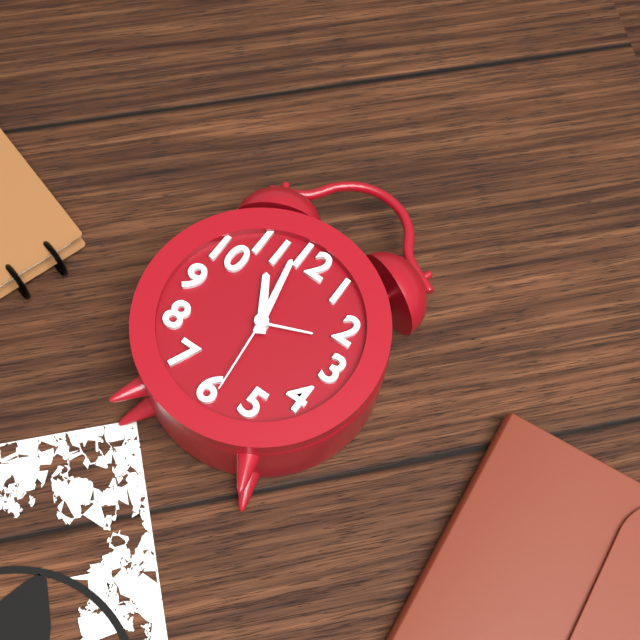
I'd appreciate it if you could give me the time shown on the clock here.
10:58:29
